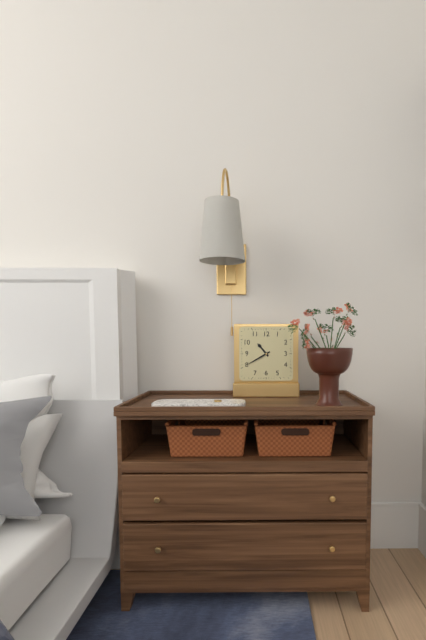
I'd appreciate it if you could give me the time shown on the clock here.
10:40
